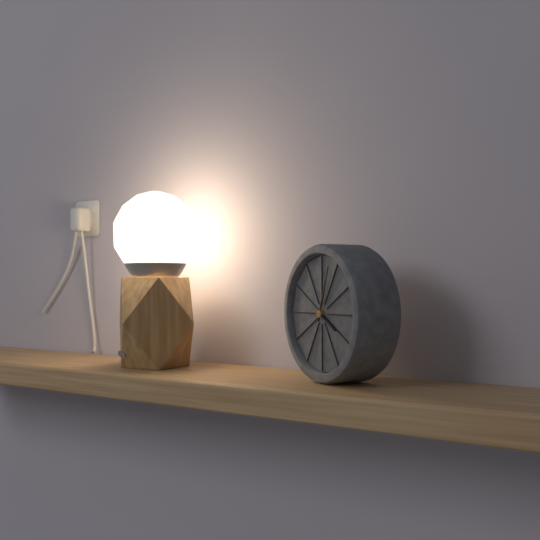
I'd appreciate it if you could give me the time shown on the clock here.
4:03
